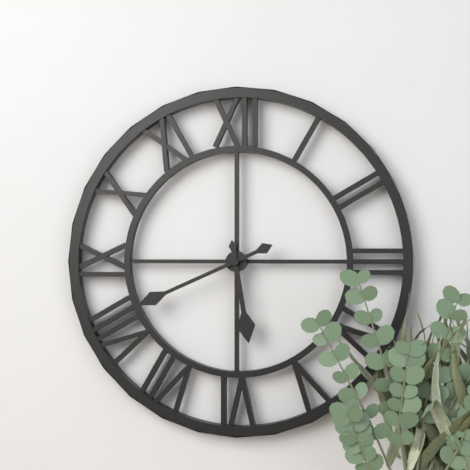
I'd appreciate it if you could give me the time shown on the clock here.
5:41
